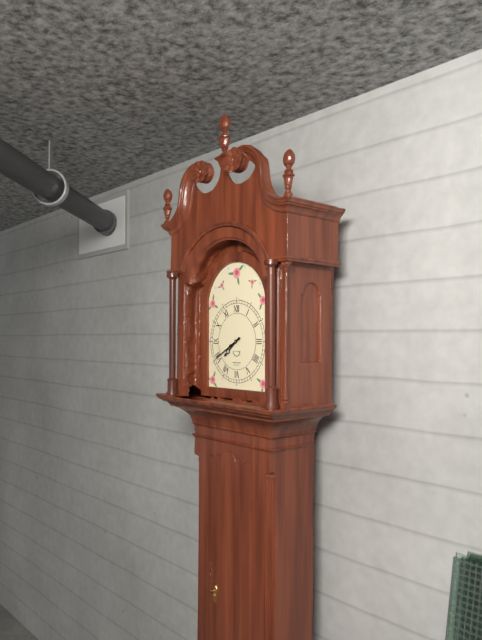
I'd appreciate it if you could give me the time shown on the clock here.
7:40
